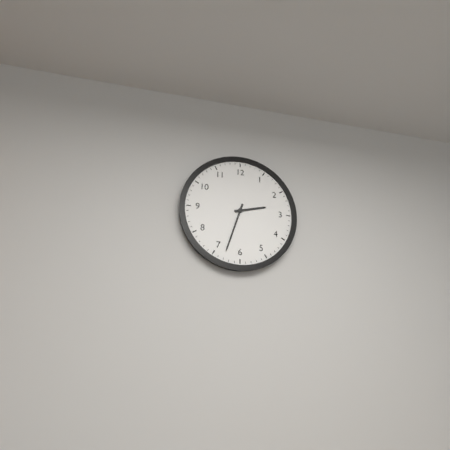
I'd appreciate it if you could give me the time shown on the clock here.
2:33
